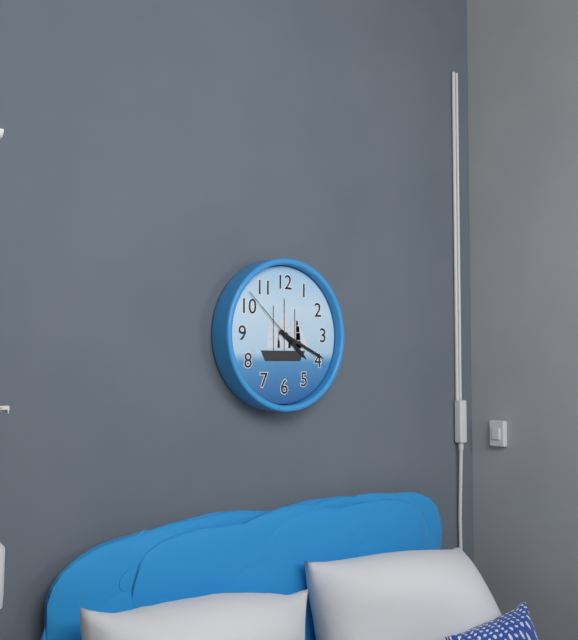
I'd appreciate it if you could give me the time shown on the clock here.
4:19:52
